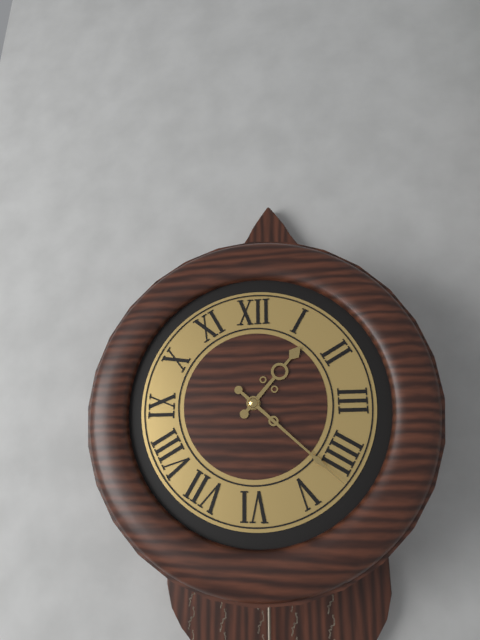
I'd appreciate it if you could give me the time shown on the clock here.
1:22
